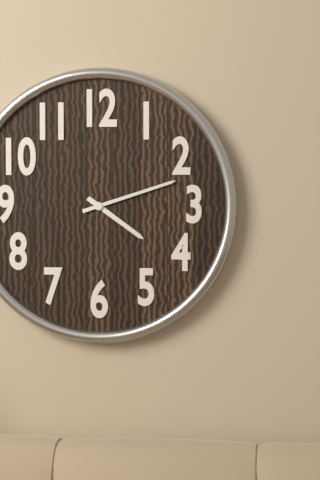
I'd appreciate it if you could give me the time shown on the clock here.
4:12
